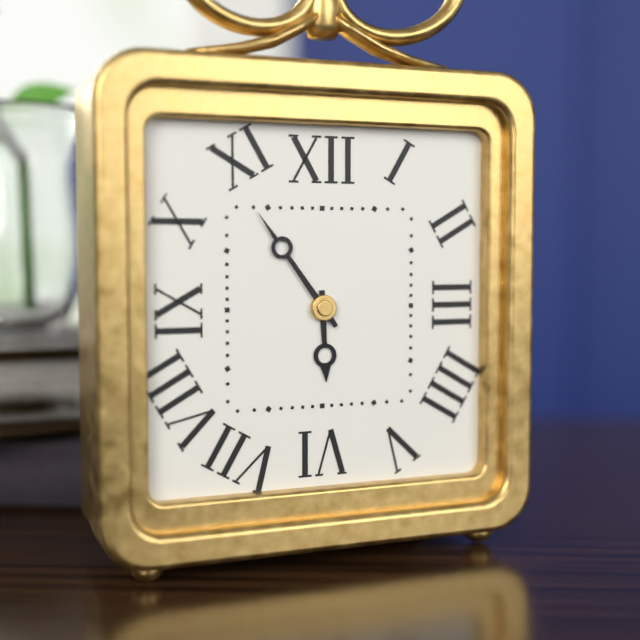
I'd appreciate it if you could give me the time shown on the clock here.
5:54
